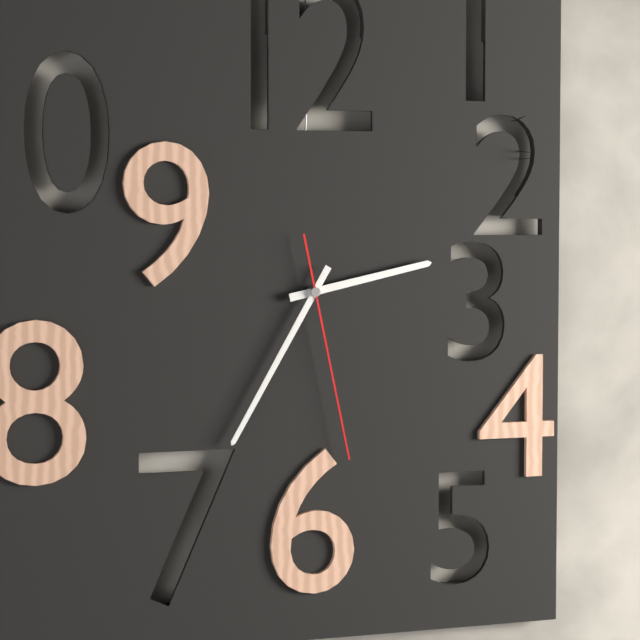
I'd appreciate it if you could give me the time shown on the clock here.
2:35:28
